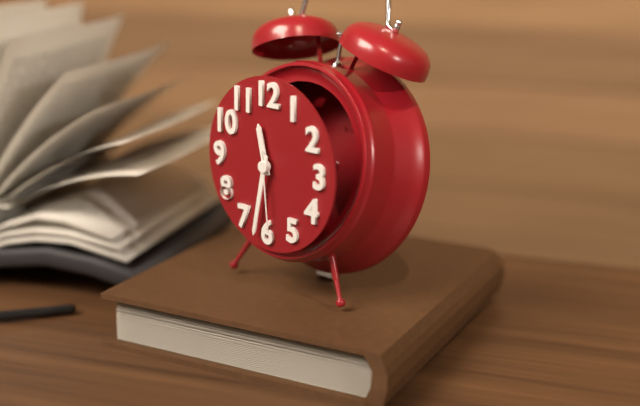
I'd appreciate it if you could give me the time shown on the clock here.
11:32:29
